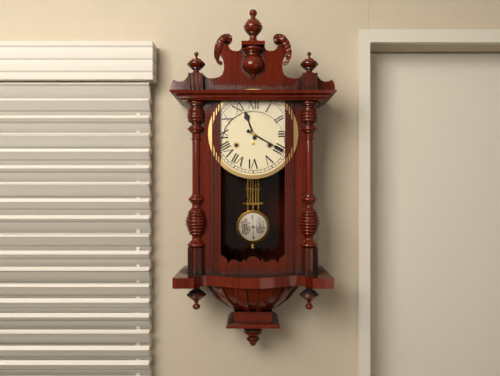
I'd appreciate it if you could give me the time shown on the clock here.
11:20
